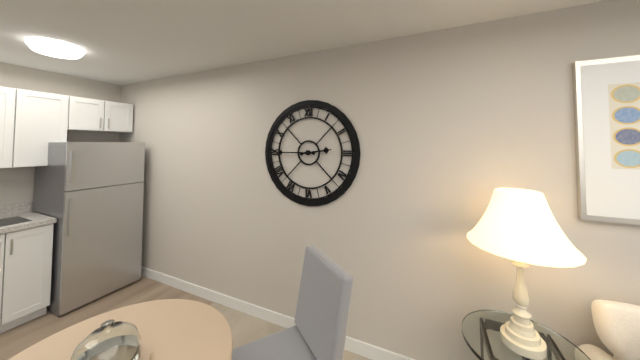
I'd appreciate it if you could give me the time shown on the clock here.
2:45
